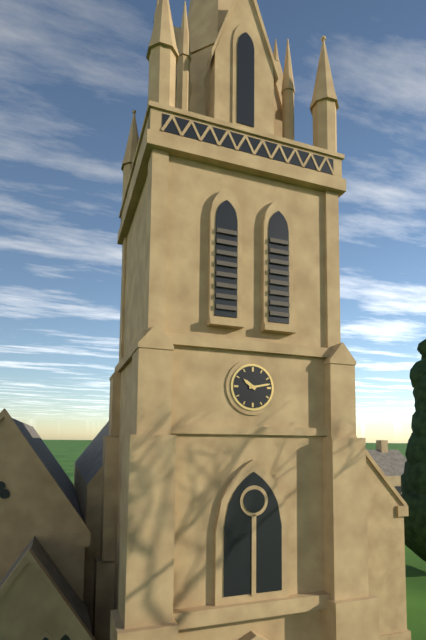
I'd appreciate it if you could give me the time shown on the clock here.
10:13
